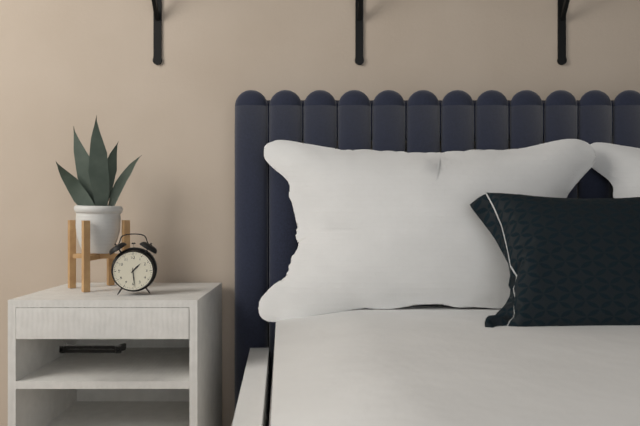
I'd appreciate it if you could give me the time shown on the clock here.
1:29
